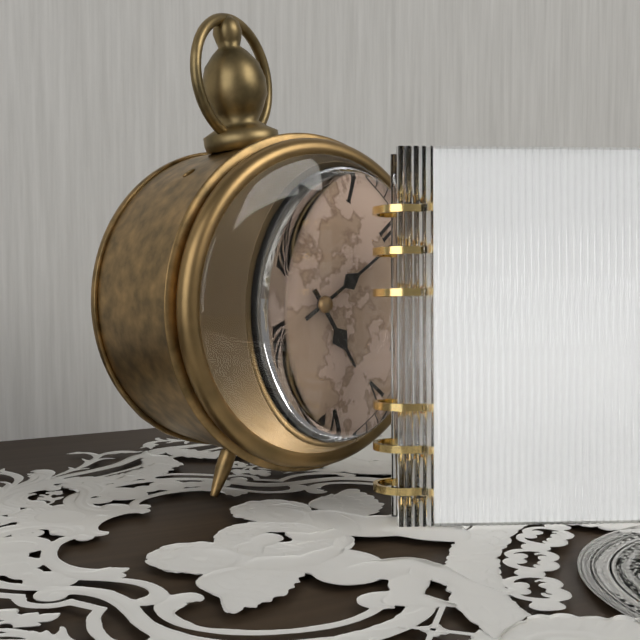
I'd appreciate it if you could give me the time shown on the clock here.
5:11
